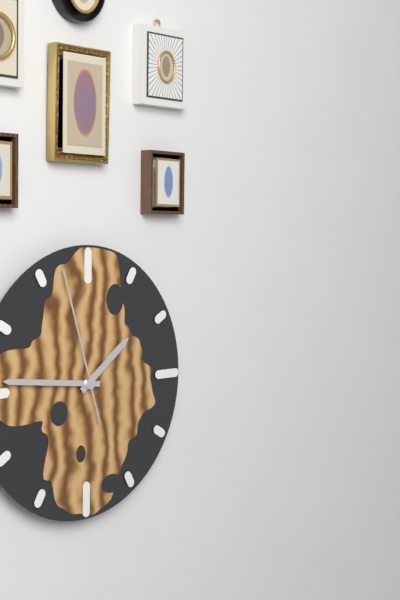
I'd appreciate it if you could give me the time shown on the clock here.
1:46:57
